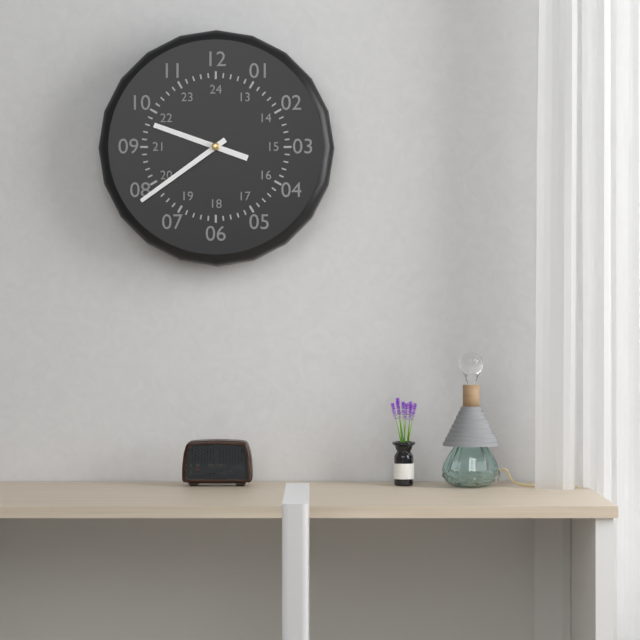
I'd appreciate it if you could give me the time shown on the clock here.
9:39
